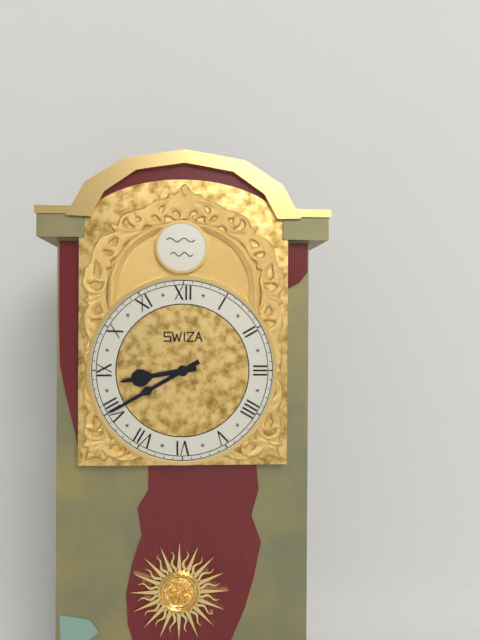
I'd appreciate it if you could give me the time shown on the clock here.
8:40
